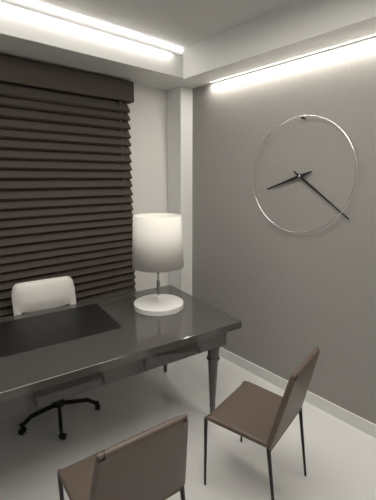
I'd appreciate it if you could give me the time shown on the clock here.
8:21
